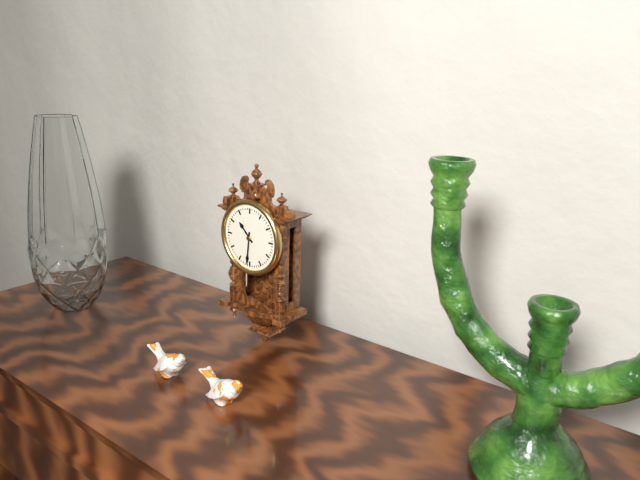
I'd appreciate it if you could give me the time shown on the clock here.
10:31
